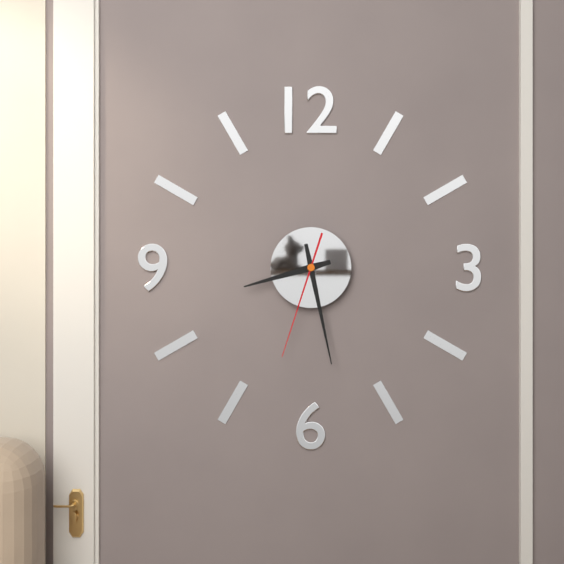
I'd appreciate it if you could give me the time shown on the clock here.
8:28:33
